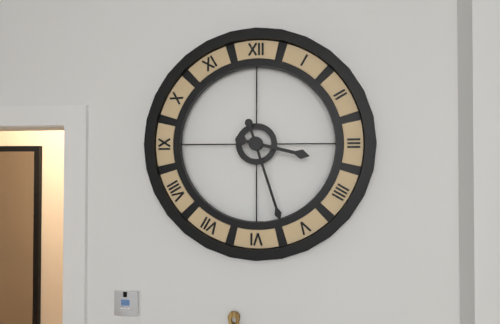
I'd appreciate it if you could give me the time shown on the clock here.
3:27
